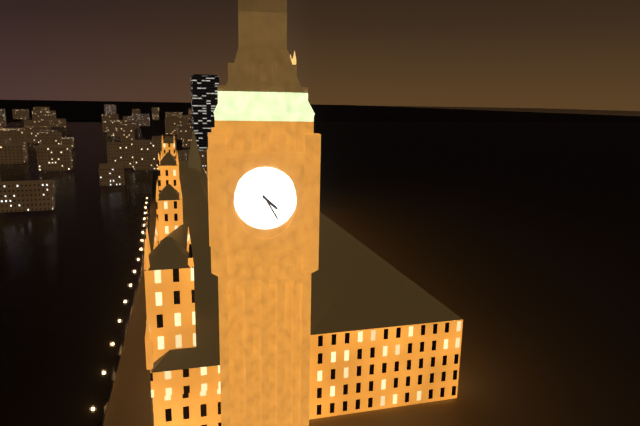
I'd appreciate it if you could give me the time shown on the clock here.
4:25
